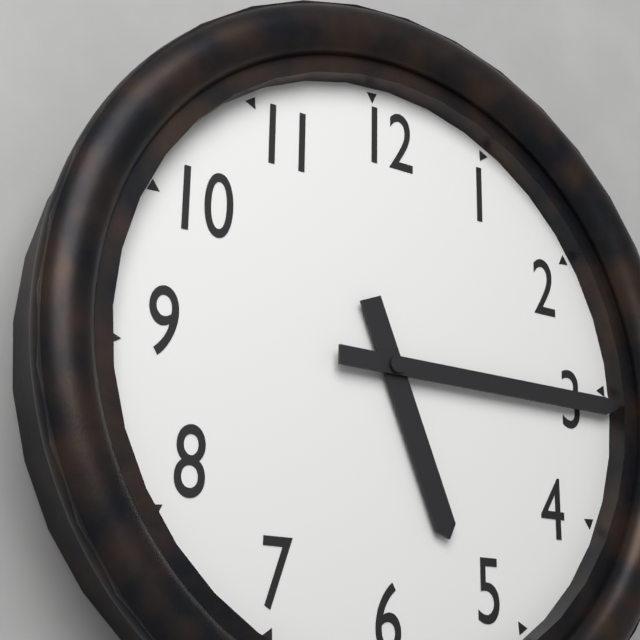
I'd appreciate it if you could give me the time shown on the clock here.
5:15
